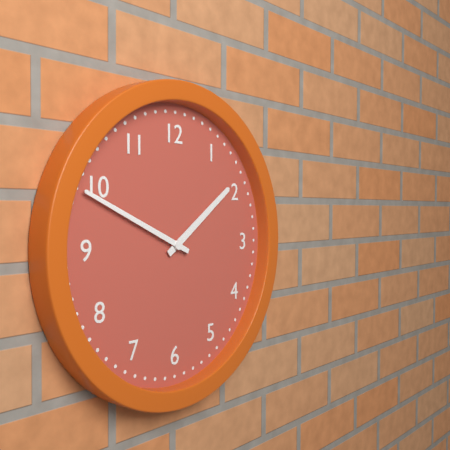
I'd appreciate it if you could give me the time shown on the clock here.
1:49
